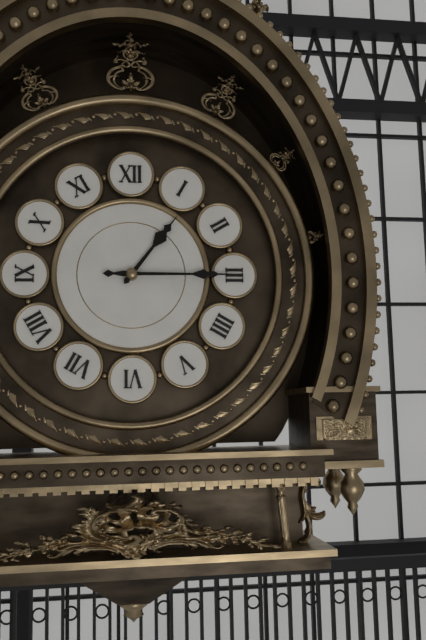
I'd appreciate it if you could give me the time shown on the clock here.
1:15
